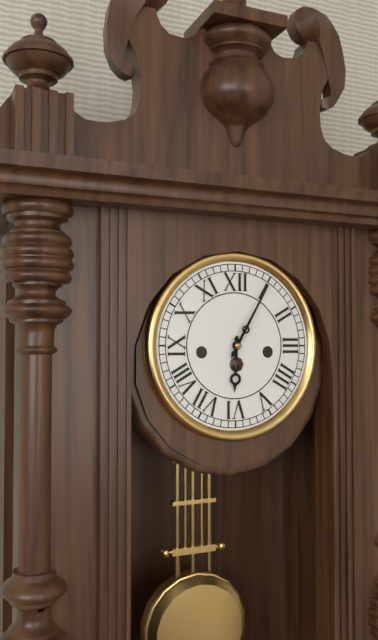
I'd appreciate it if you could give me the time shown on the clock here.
6:05
